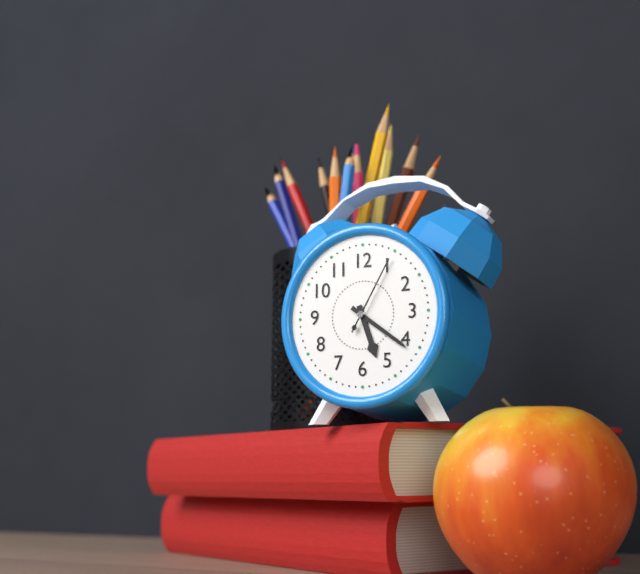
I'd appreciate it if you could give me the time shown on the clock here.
5:21:05
